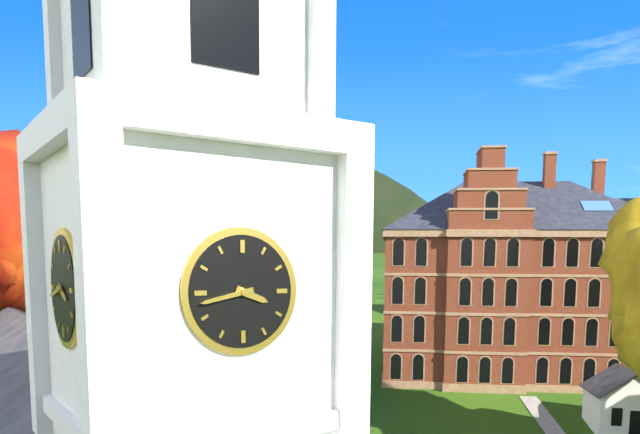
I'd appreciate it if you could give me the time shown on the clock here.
3:43
